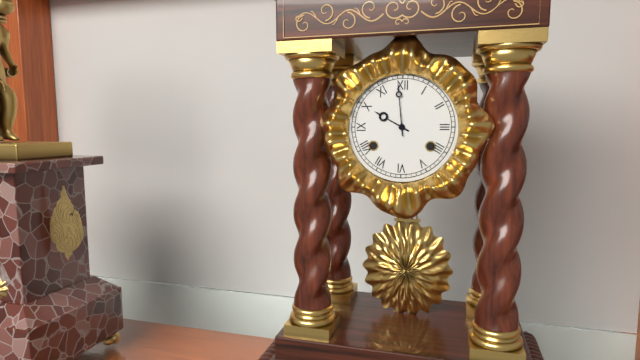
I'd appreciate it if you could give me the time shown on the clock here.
9:59
